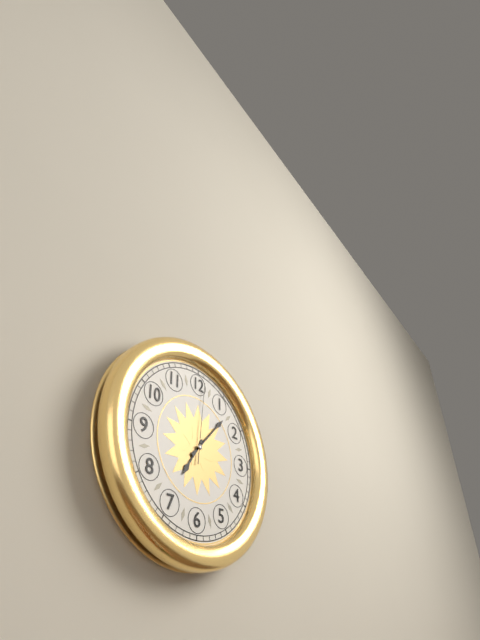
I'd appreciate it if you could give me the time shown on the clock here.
7:07:01
